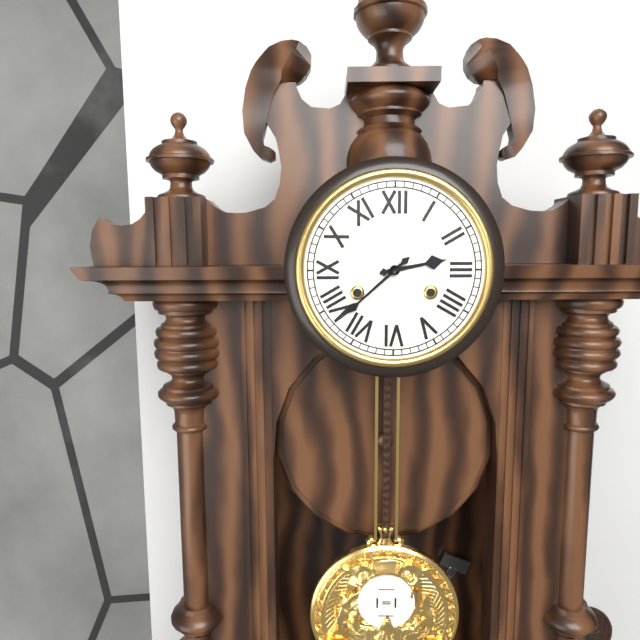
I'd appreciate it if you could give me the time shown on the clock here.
2:38
